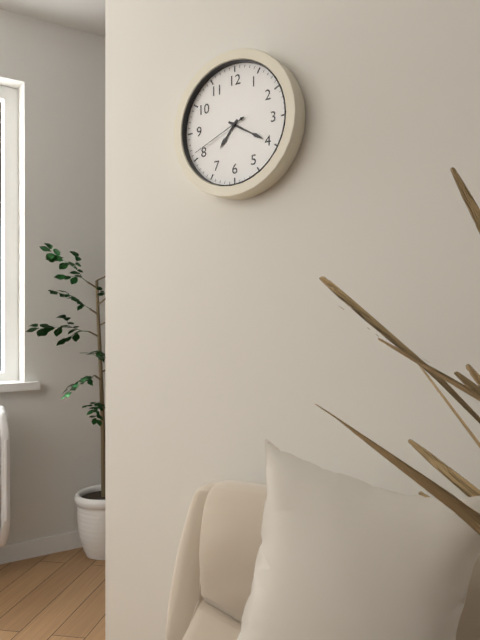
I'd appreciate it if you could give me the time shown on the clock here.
7:20:41
